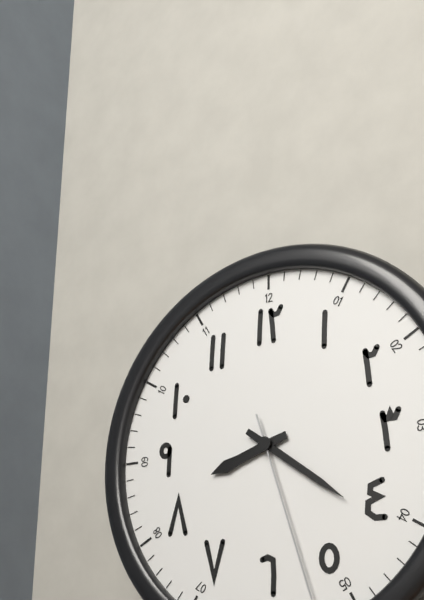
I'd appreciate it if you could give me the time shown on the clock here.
8:21
